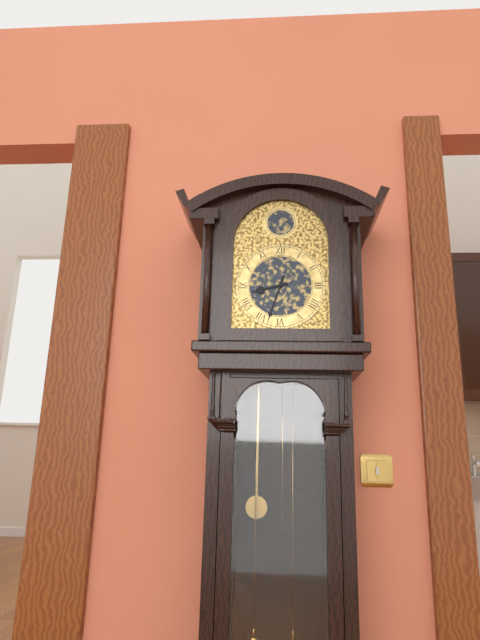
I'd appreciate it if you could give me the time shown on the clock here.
8:33
